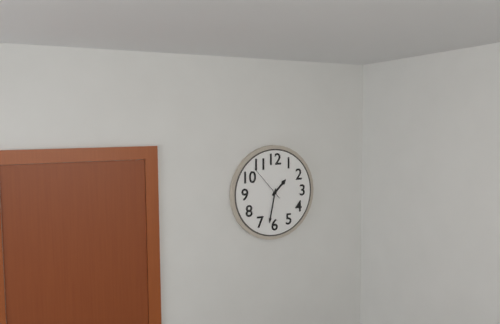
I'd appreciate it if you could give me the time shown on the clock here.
1:32
